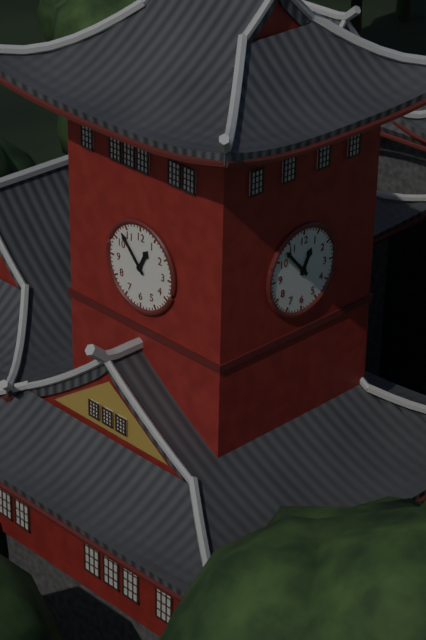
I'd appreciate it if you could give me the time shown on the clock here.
12:53
